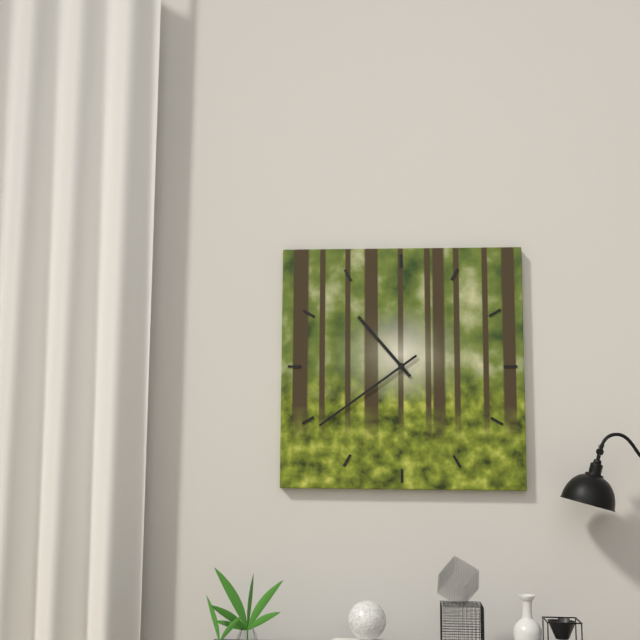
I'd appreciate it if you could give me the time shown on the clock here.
10:39
